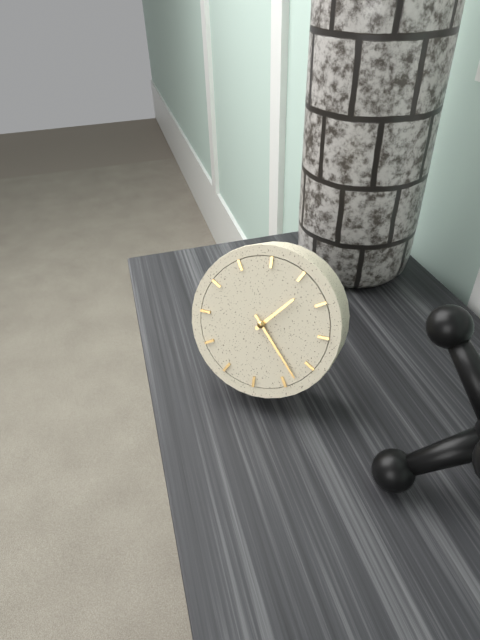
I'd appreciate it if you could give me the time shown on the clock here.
1:23
